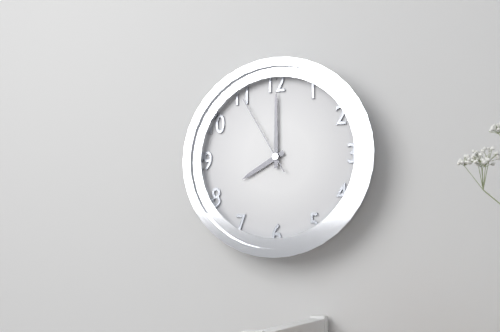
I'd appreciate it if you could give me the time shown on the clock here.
8:00:55
